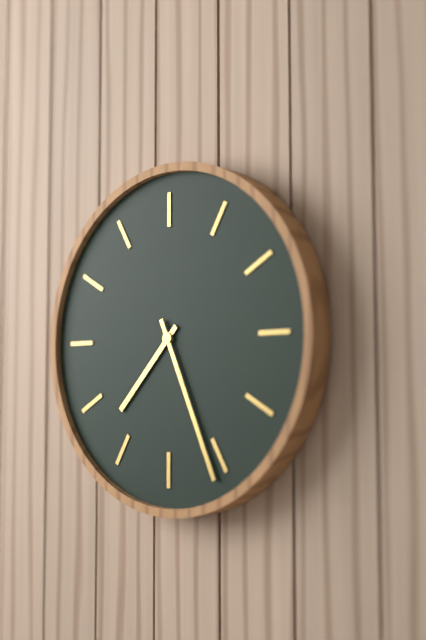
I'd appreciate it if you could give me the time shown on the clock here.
7:26
